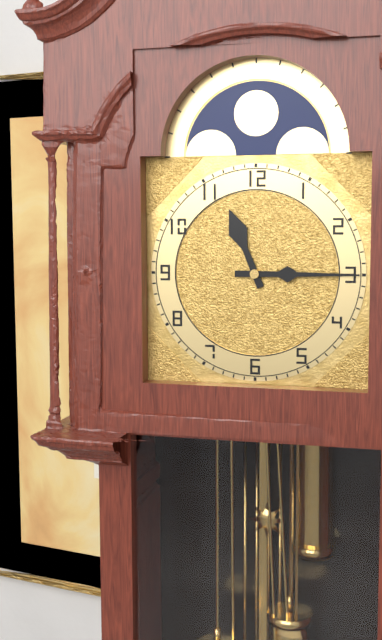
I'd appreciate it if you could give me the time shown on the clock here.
11:15
